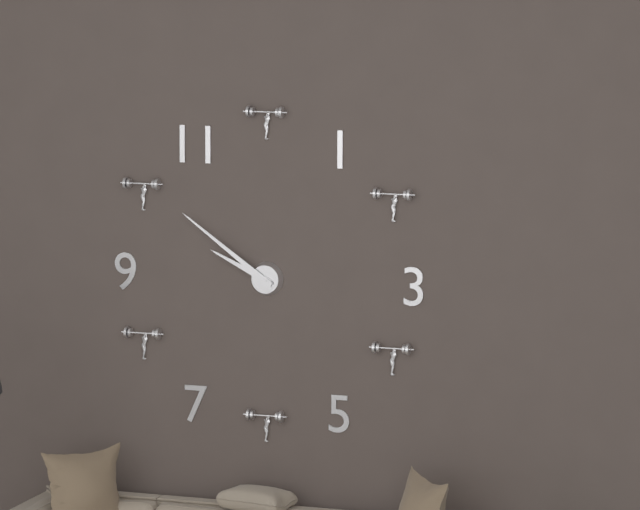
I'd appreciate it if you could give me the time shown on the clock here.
9:51
